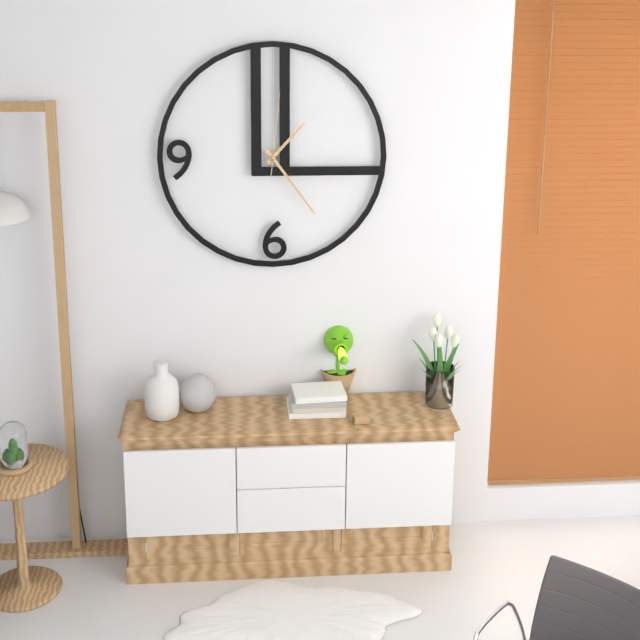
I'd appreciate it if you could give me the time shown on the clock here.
1:24:01
